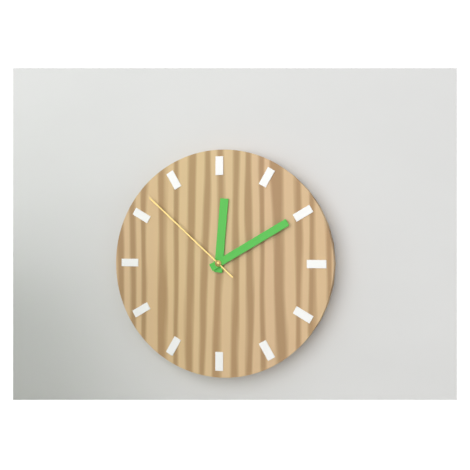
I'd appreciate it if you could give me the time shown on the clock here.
12:10:52
